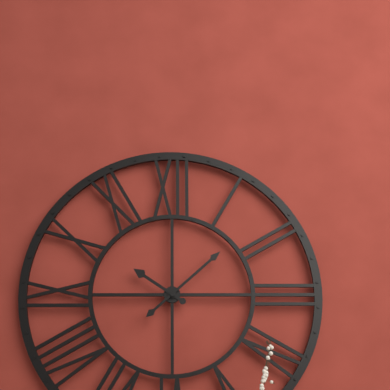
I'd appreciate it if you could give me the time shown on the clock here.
10:08
